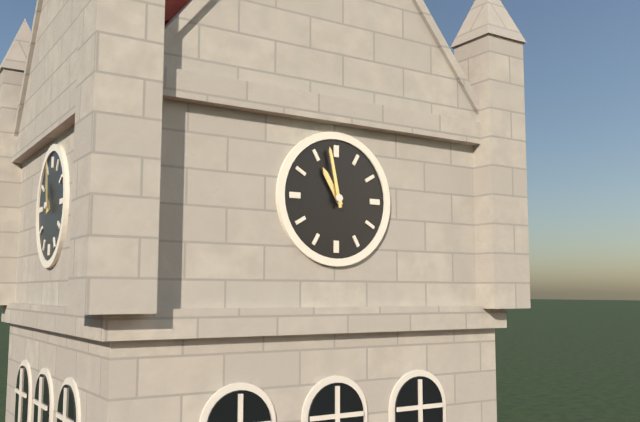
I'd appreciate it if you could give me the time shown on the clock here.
10:58
